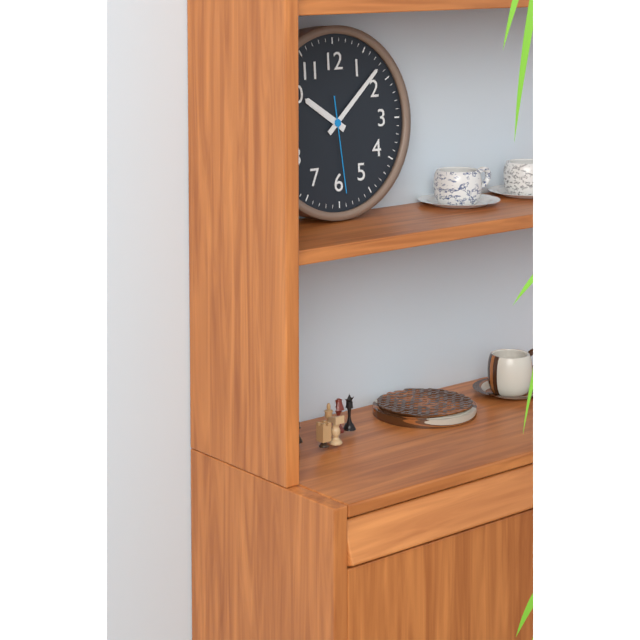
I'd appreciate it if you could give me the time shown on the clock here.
10:08:29
